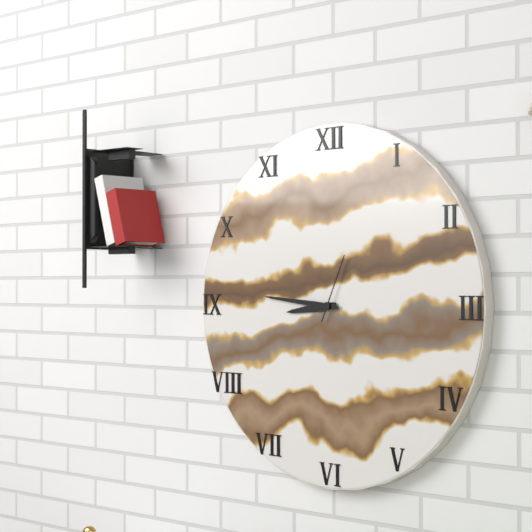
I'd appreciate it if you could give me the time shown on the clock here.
8:46:04
